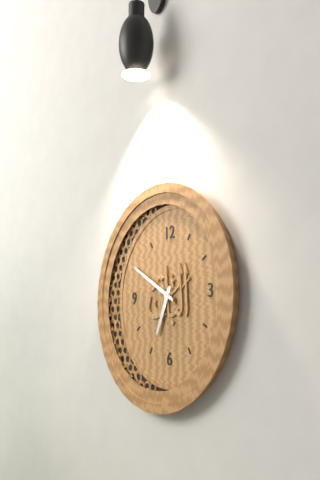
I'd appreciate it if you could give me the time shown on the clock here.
6:50
